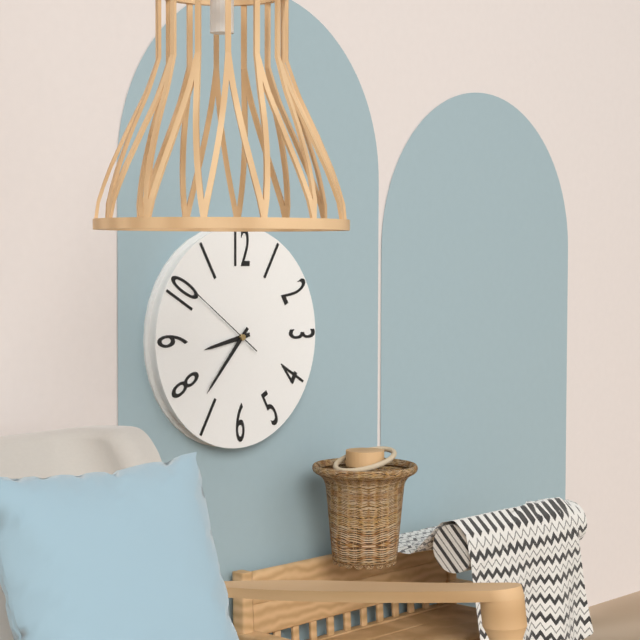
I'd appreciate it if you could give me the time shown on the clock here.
8:37:51
